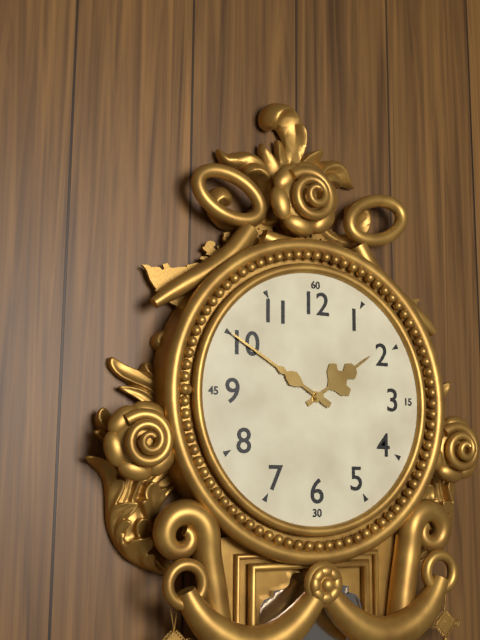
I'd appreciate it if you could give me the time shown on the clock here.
1:50
